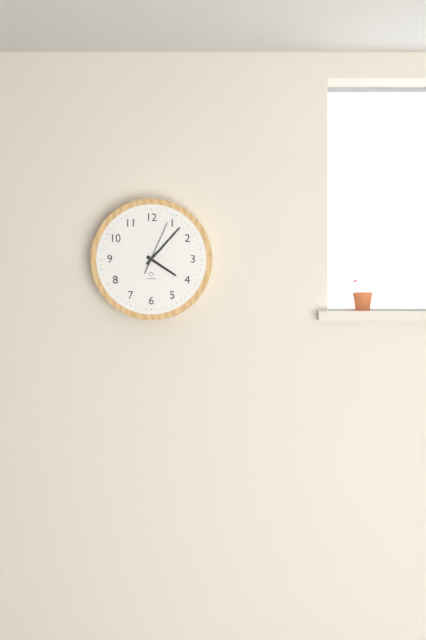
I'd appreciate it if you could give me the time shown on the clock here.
4:07:04
